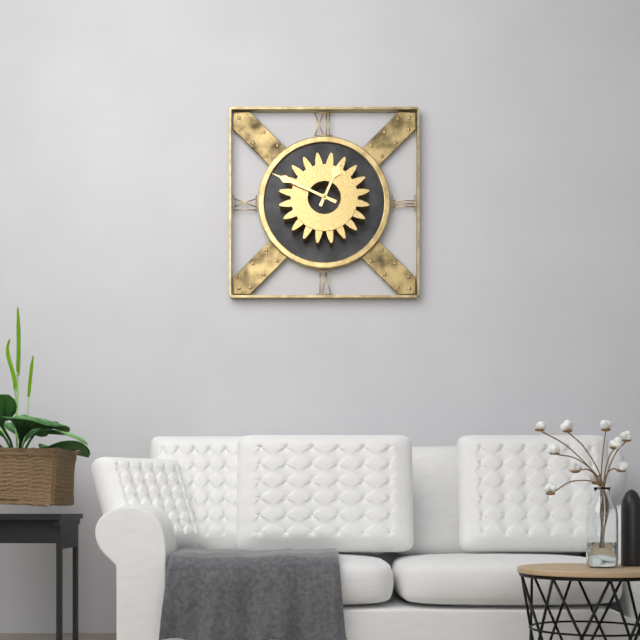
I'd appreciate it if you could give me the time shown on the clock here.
12:49
